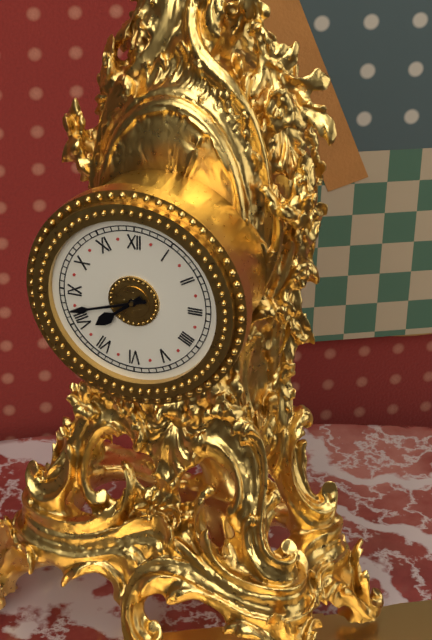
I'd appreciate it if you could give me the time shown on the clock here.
7:42
